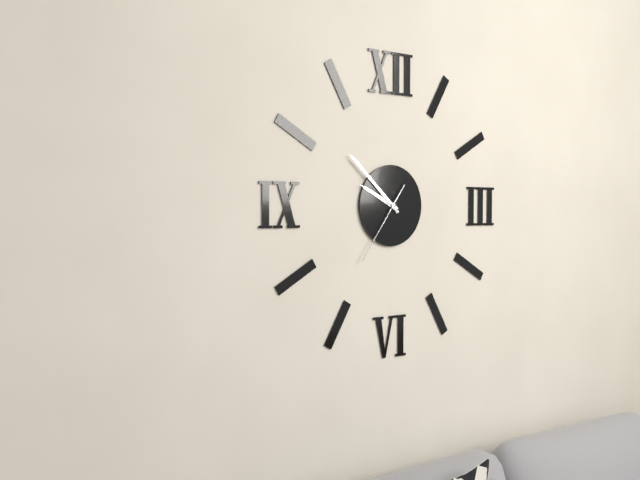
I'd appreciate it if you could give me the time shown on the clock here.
9:52:36
